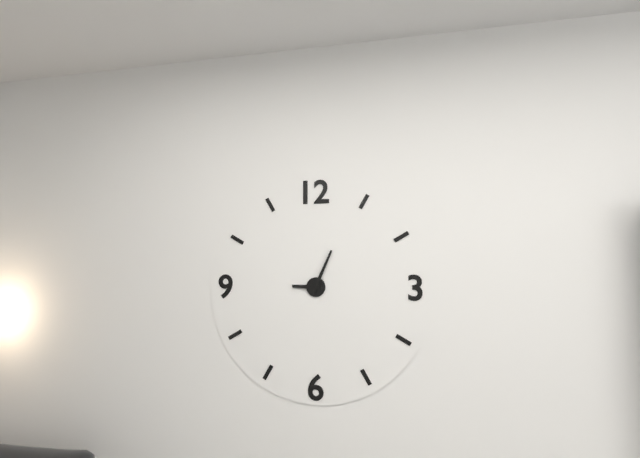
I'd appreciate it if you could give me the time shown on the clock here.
9:04
